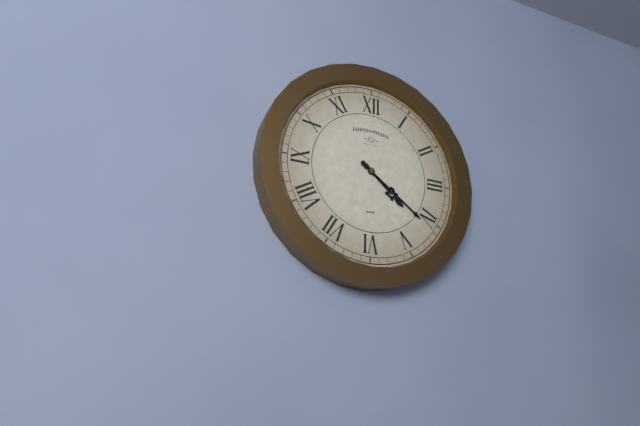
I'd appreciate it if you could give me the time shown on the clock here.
4:21
